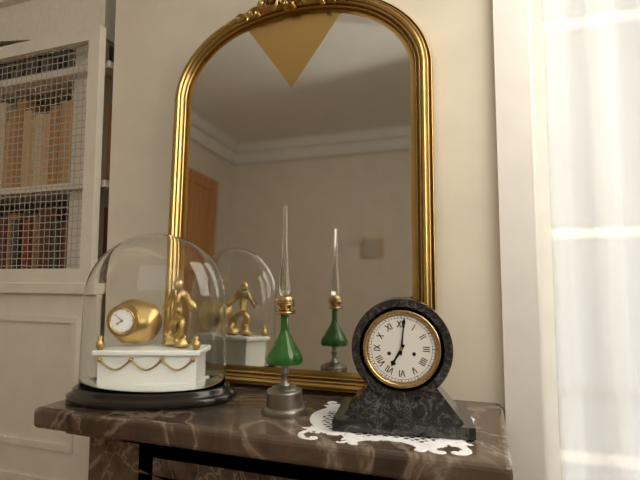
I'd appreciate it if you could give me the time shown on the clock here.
7:01
